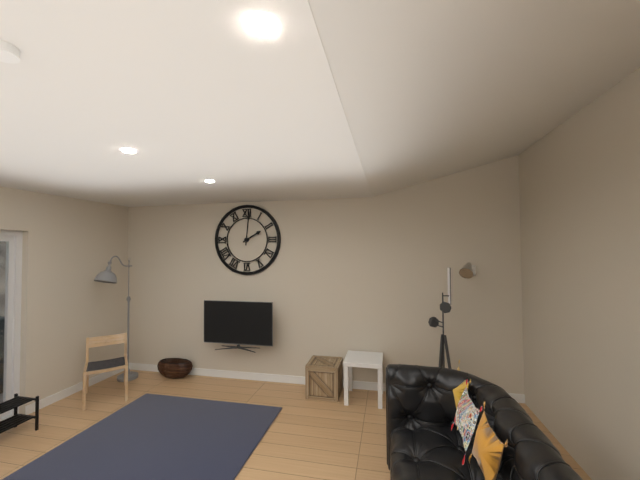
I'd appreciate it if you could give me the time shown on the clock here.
2:01
